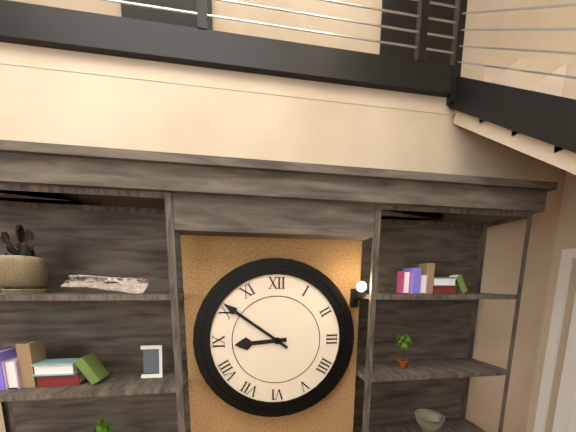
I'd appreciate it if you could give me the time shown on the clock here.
8:51
